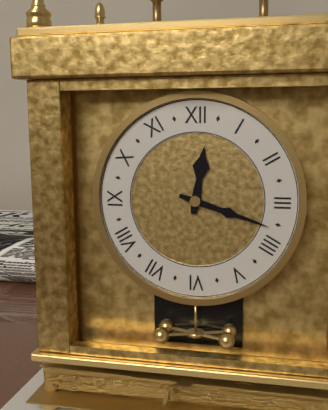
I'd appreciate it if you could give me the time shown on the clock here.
12:18
